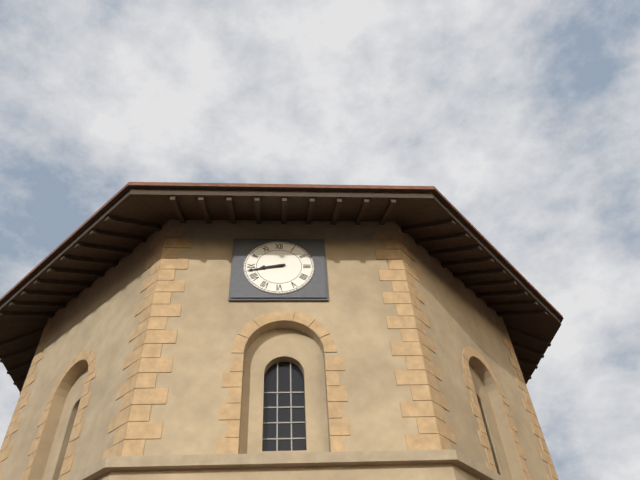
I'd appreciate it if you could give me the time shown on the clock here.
8:43
